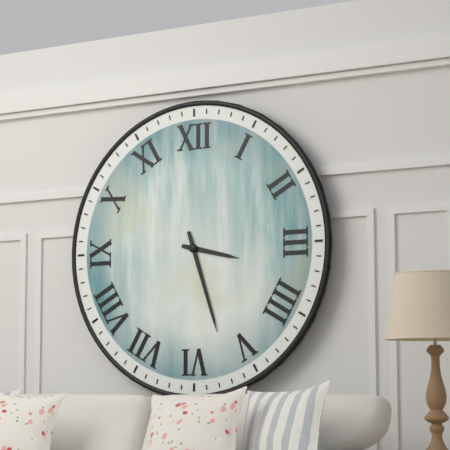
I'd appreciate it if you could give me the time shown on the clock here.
3:27
